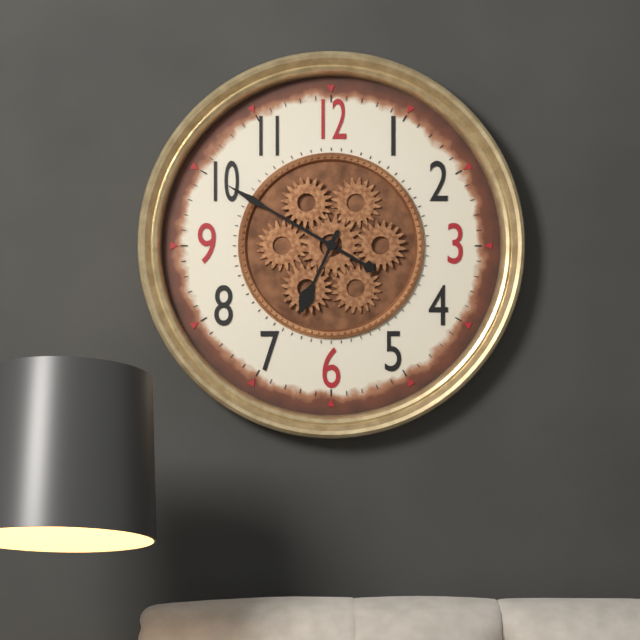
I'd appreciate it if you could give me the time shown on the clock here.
6:50
